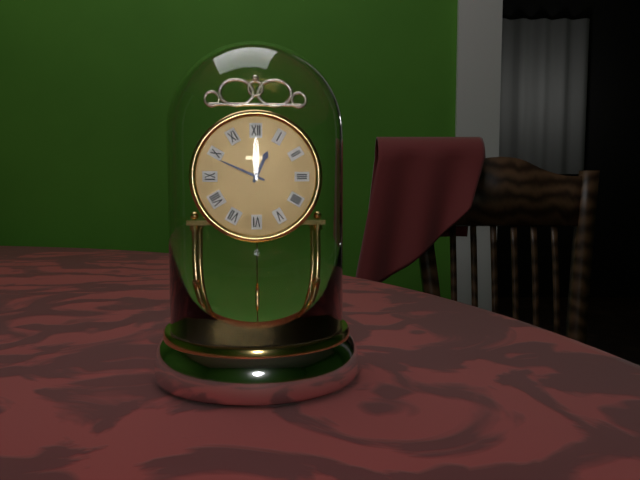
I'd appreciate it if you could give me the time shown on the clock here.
12:49
